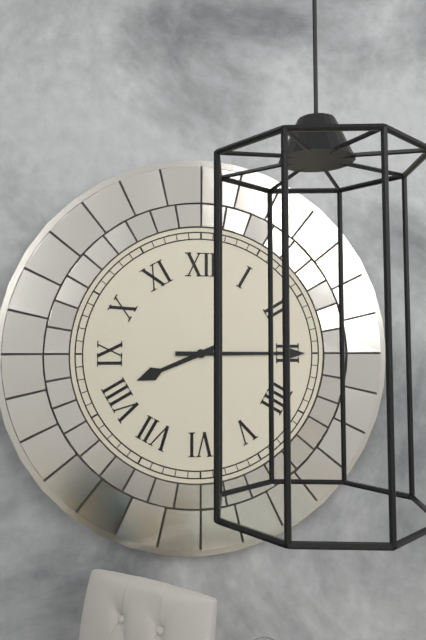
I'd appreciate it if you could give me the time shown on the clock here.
8:15
